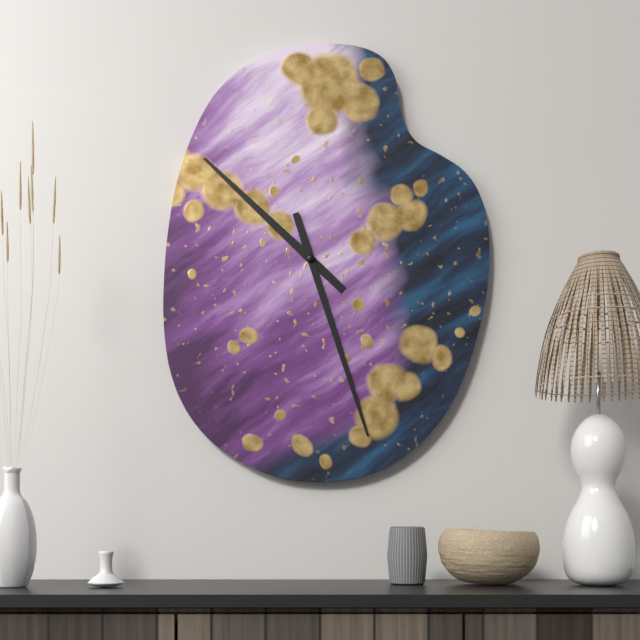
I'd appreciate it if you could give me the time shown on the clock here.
10:27
